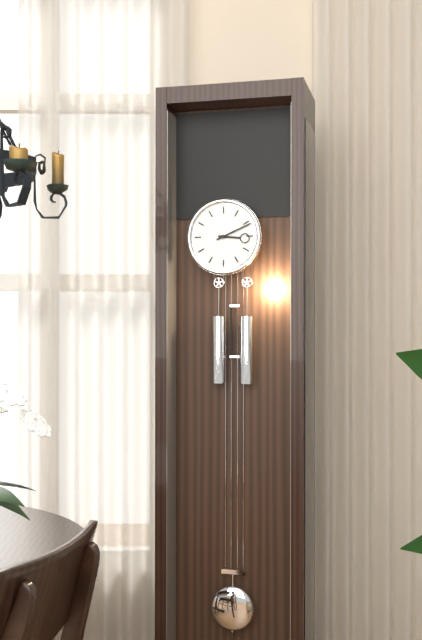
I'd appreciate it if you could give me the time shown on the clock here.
3:11
